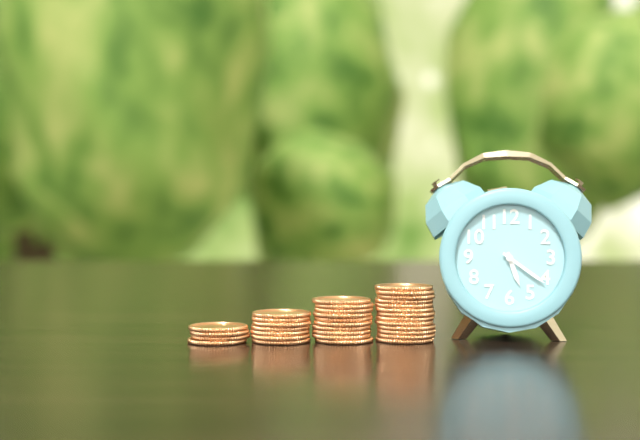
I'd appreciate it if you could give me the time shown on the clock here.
5:21
